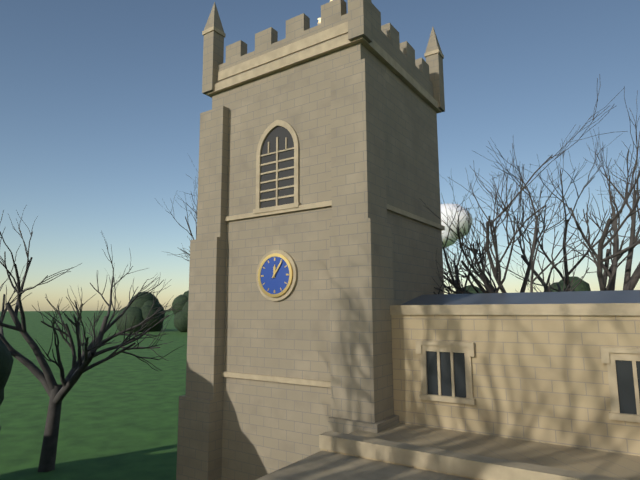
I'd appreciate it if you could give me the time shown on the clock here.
12:06
